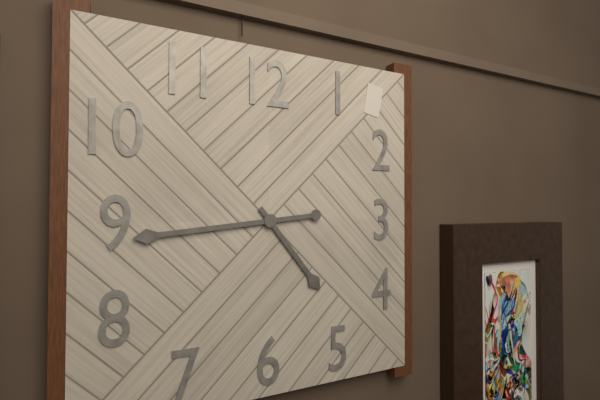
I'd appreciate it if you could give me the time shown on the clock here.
4:44
